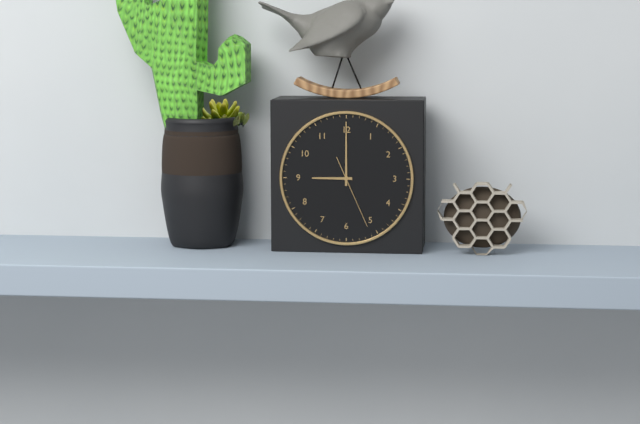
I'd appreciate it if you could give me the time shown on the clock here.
9:00:26
